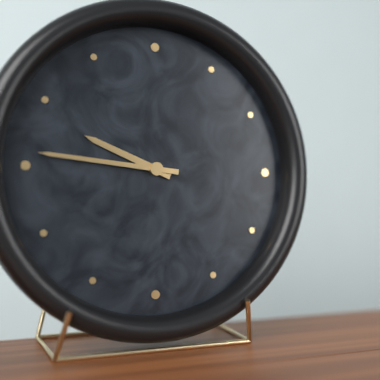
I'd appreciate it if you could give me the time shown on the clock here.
9:46
